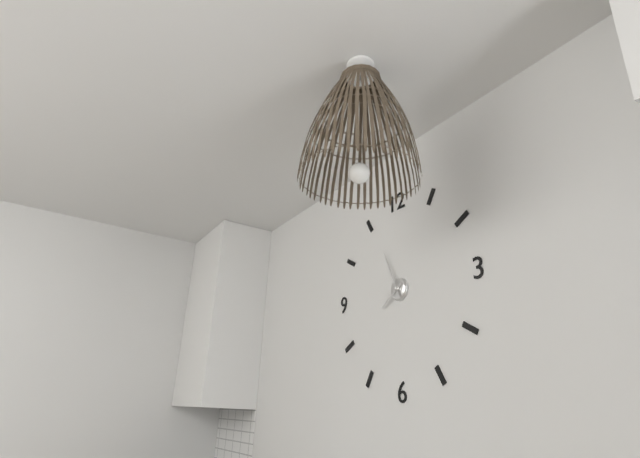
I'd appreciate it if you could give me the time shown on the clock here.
7:56
